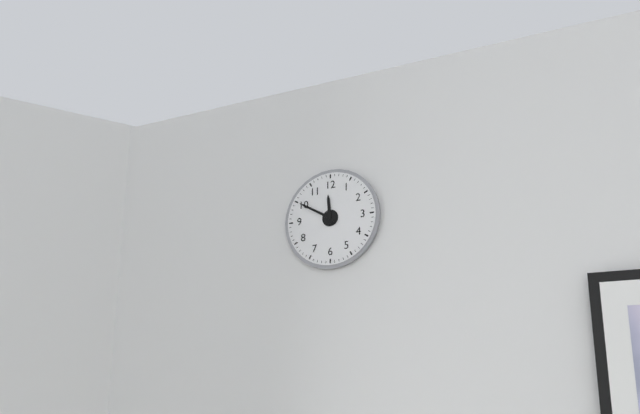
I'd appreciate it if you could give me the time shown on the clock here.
11:50
